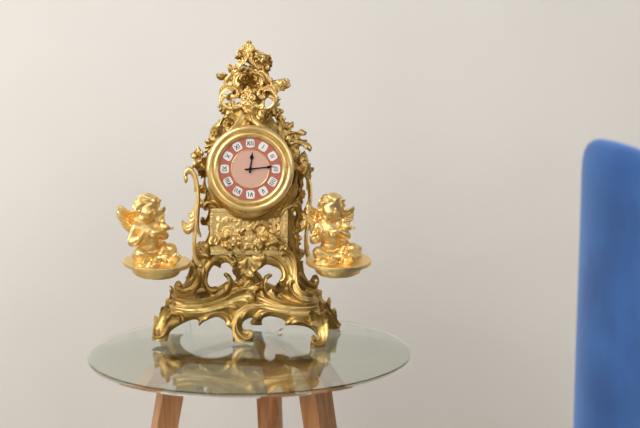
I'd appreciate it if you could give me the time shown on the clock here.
12:14
